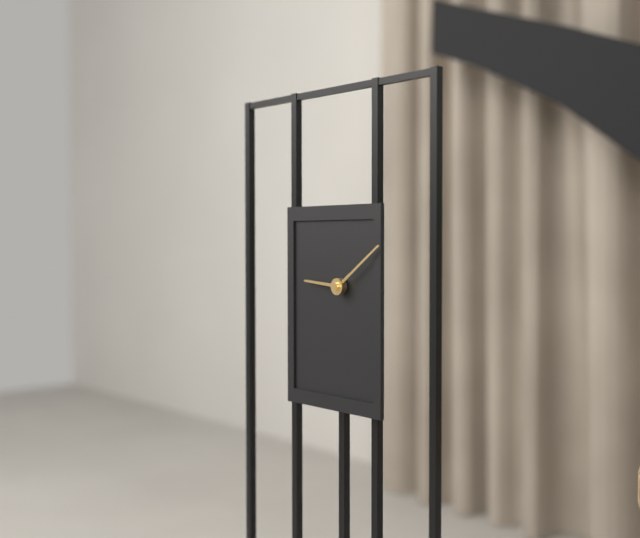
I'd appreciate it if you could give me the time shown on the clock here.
9:09
